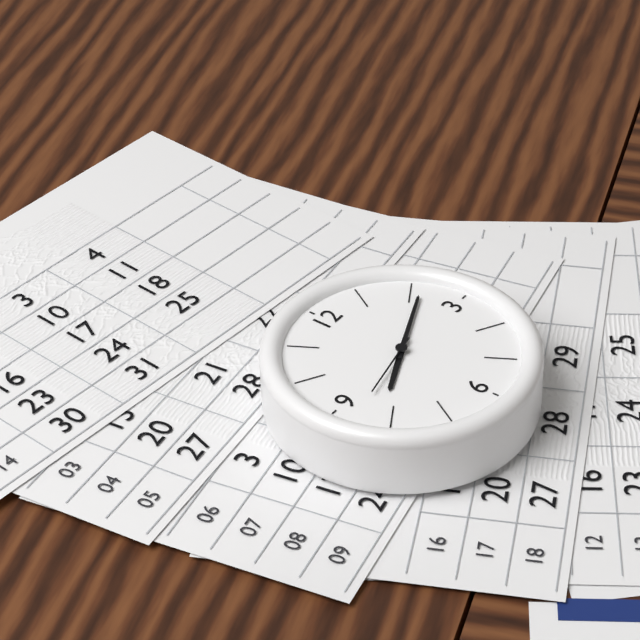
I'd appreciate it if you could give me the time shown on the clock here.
8:11:43
